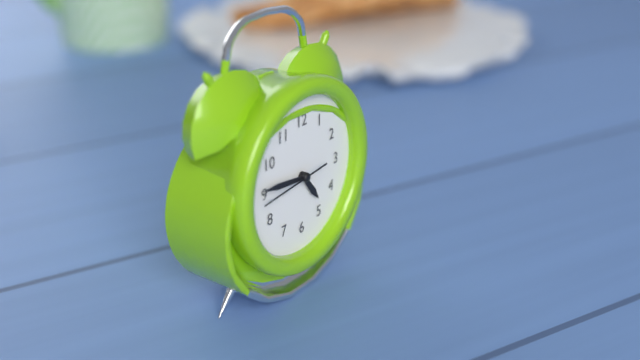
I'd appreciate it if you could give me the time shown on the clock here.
4:46:44
